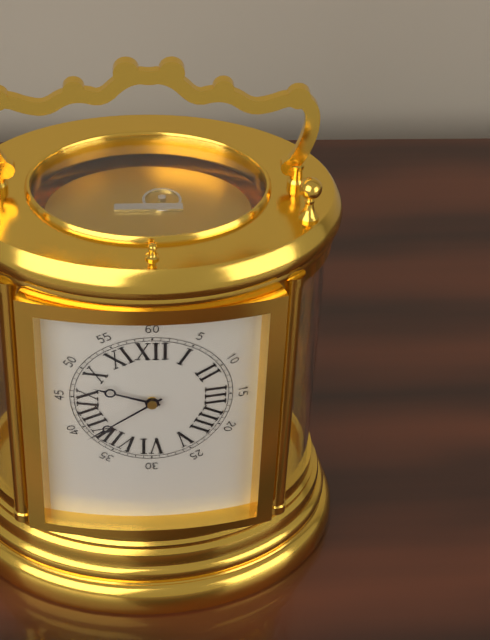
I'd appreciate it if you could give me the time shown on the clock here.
9:39
